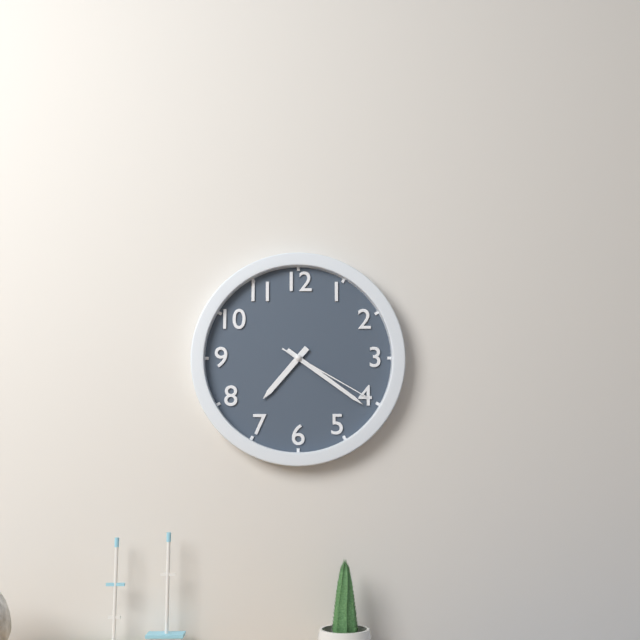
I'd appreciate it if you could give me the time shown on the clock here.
7:21:20
